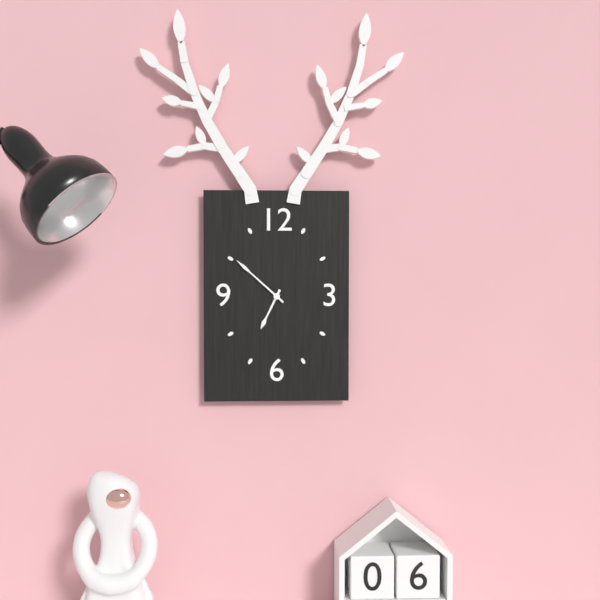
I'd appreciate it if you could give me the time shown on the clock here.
6:52
